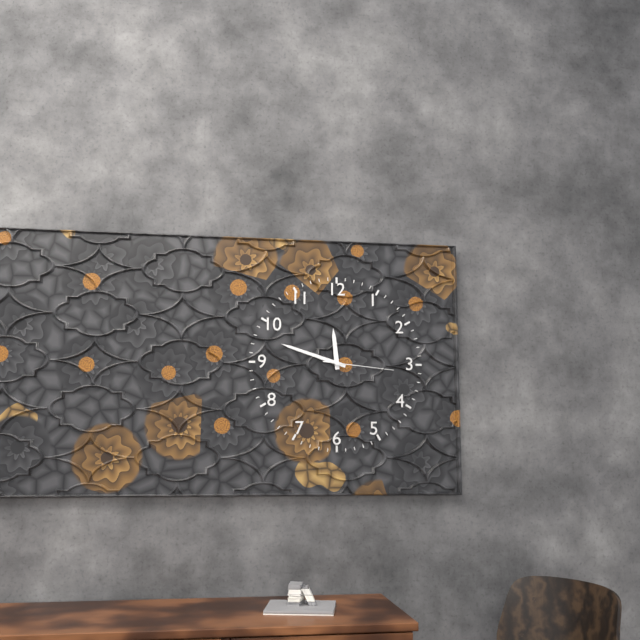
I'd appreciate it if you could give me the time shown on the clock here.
11:48:16
